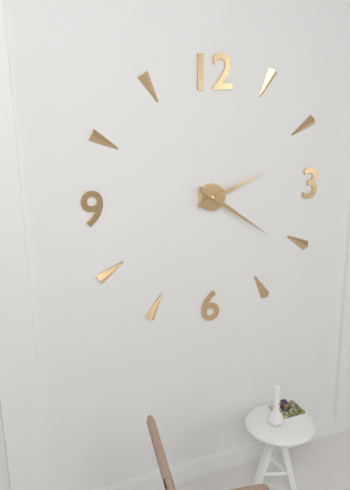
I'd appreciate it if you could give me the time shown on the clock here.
2:21
